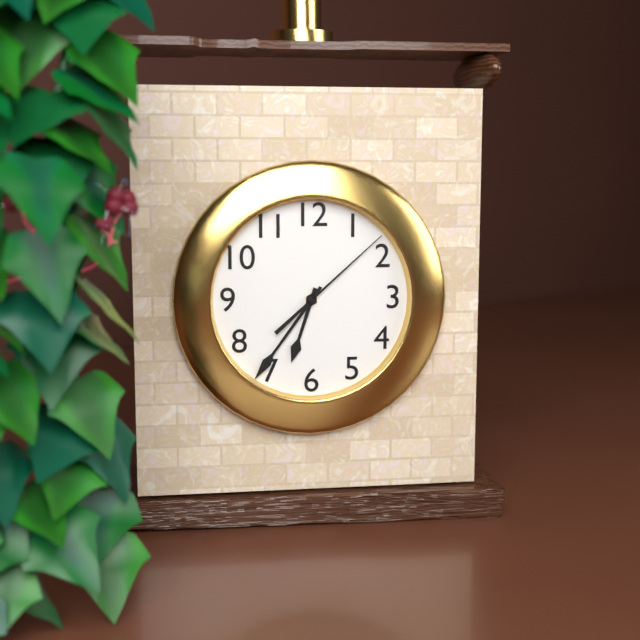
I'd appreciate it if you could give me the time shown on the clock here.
6:36:08
